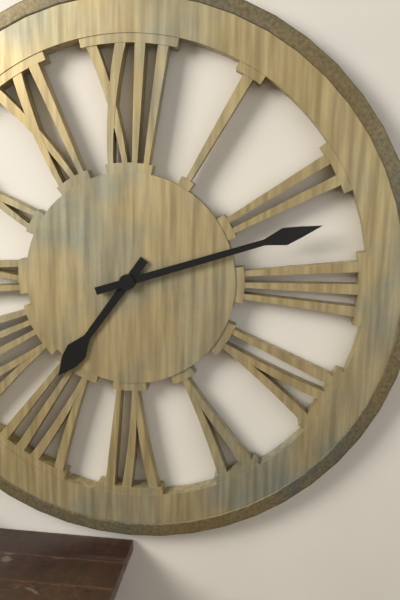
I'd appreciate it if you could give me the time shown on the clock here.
7:12
